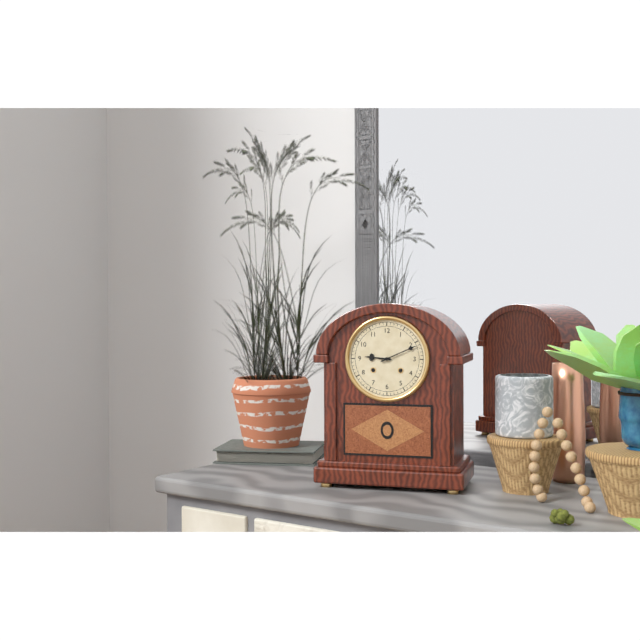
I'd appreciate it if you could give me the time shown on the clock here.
9:11
